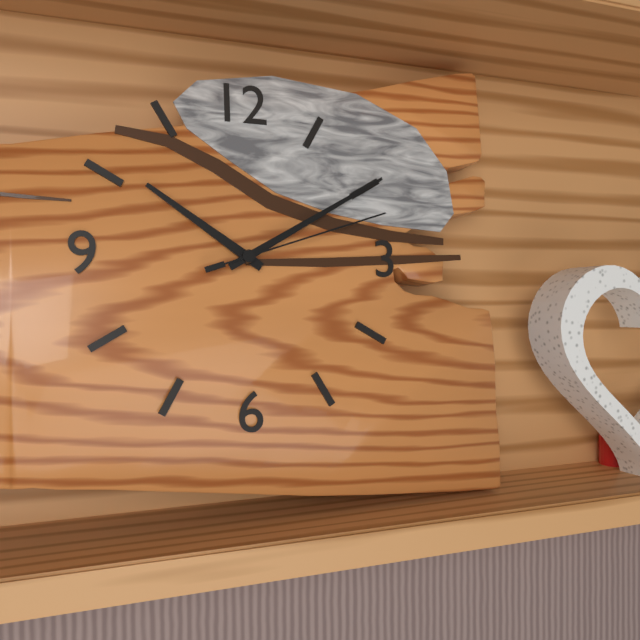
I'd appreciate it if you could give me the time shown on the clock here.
10:10:12
